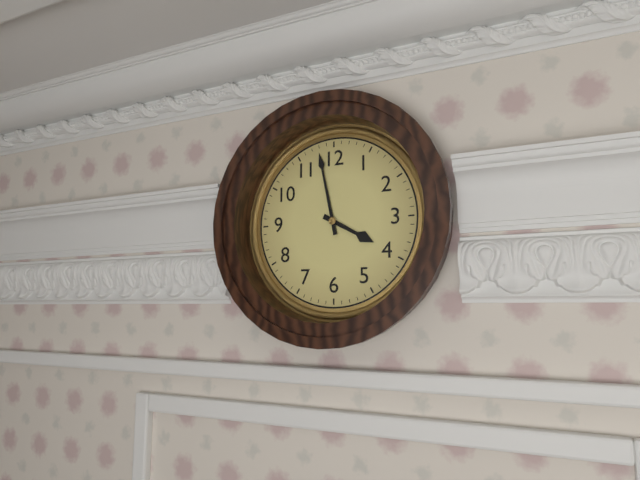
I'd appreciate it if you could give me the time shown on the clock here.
3:58
